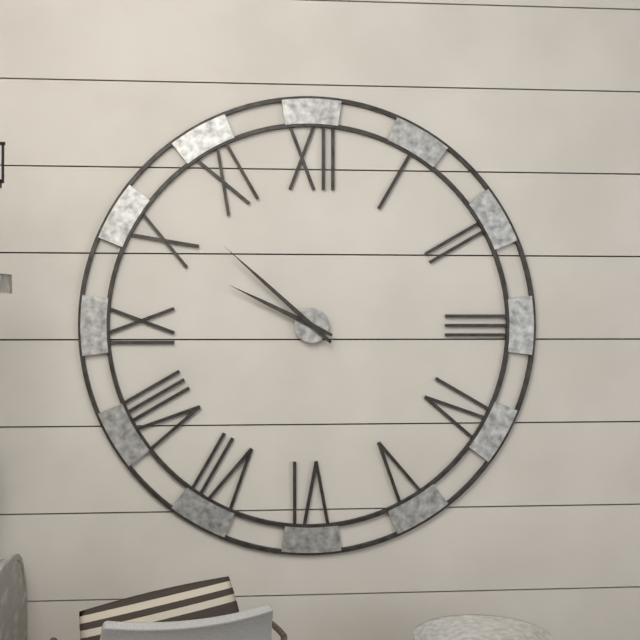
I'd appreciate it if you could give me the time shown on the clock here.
9:52
